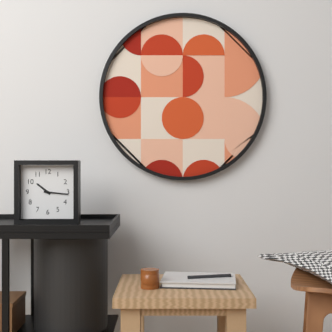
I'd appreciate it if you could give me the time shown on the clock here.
10:16
